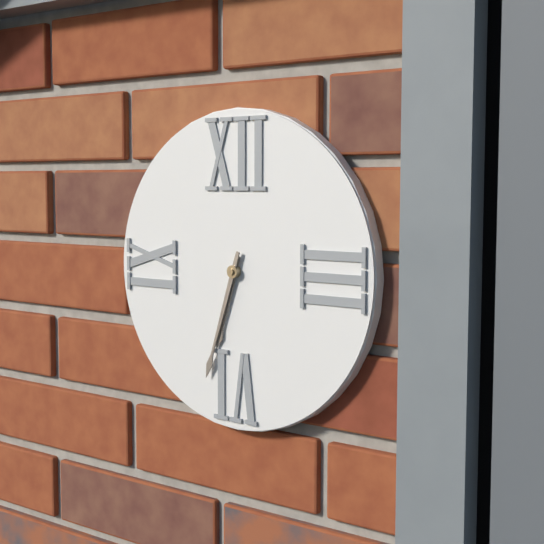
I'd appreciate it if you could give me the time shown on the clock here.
6:33
